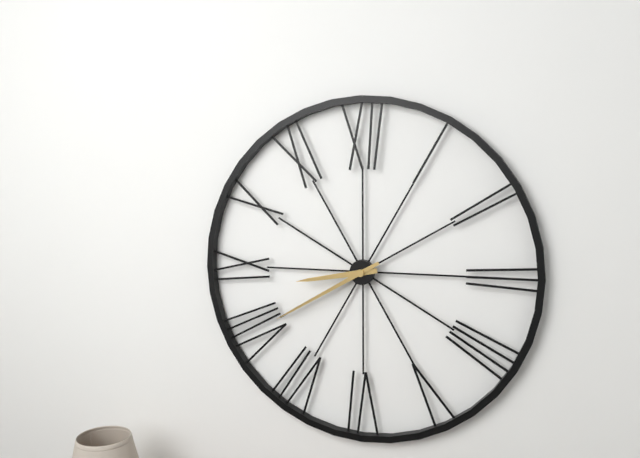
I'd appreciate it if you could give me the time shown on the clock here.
8:40
